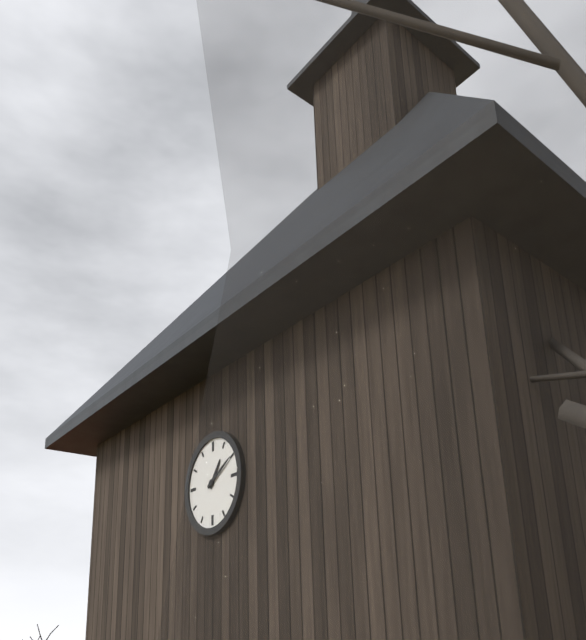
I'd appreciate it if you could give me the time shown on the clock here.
1:10
